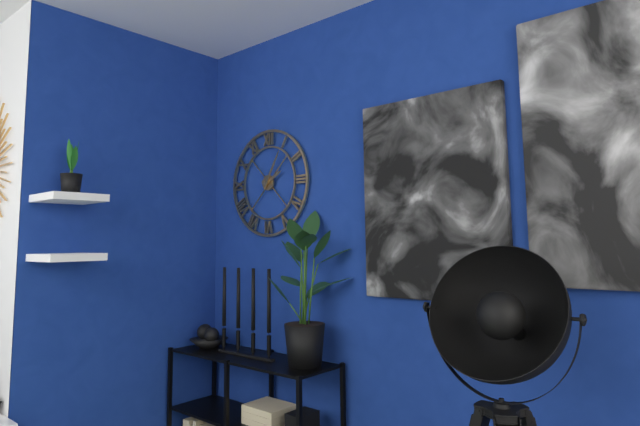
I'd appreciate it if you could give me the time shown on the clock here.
2:05
